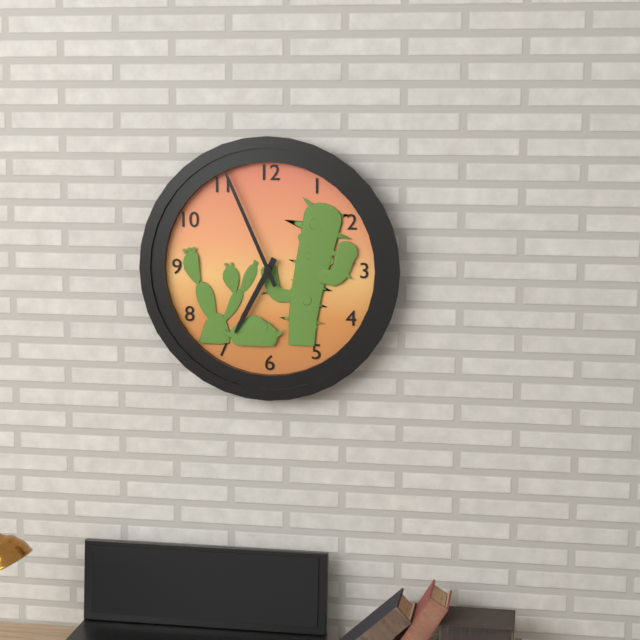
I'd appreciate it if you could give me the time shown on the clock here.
6:56
